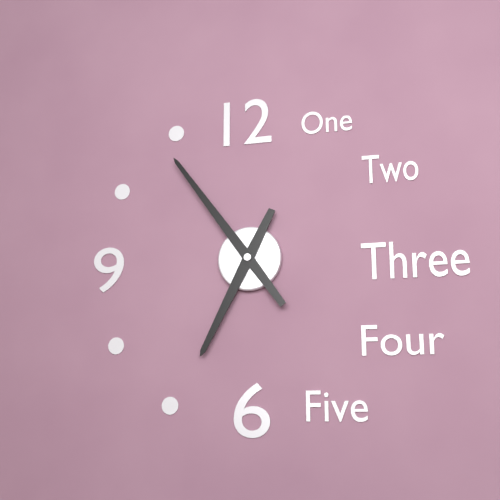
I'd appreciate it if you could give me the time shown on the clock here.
6:54
